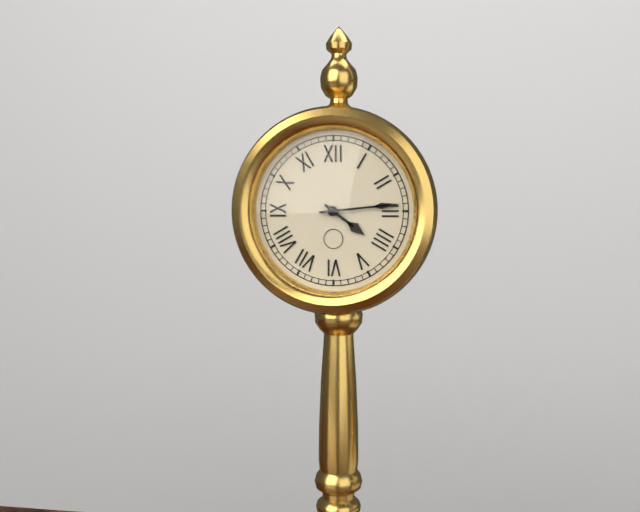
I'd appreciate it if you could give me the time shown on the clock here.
4:14
